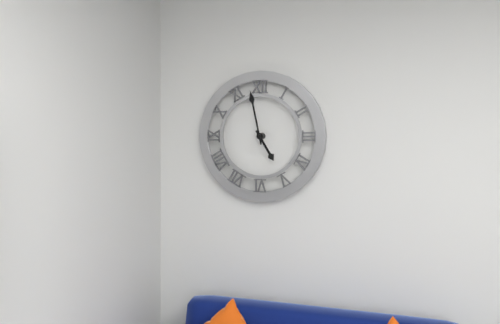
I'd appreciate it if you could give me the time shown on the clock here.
4:58
